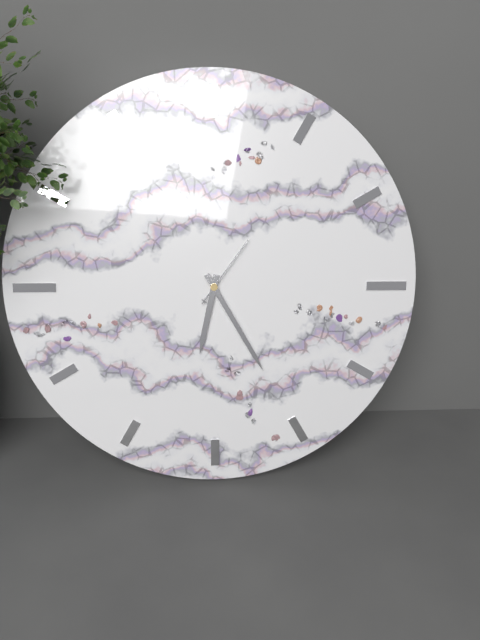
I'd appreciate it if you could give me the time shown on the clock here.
6:25:06
